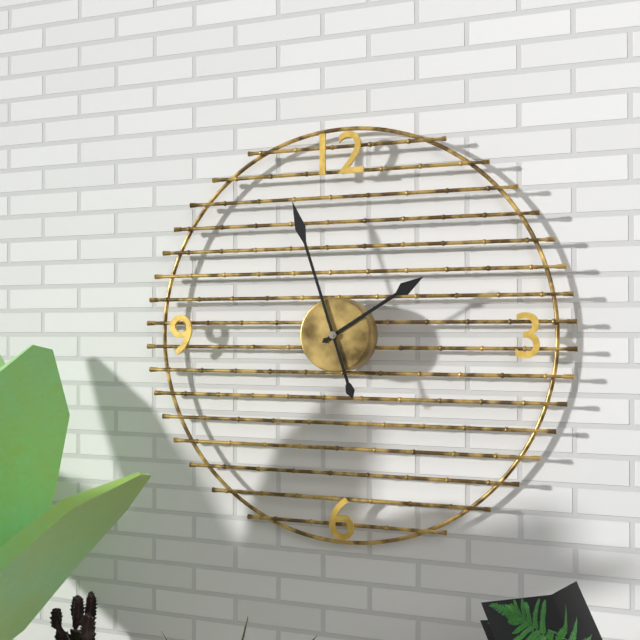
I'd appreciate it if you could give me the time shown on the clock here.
1:57
